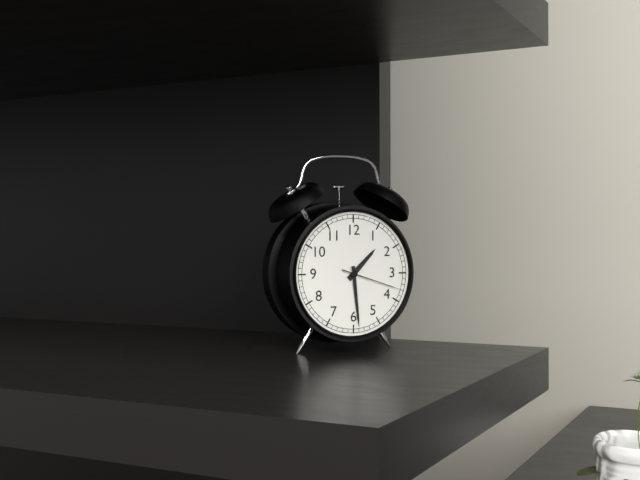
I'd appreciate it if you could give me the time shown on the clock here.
1:29:18
